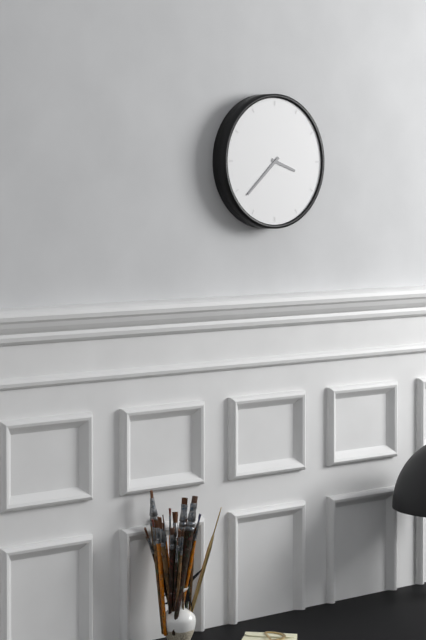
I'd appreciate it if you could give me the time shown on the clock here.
3:38
